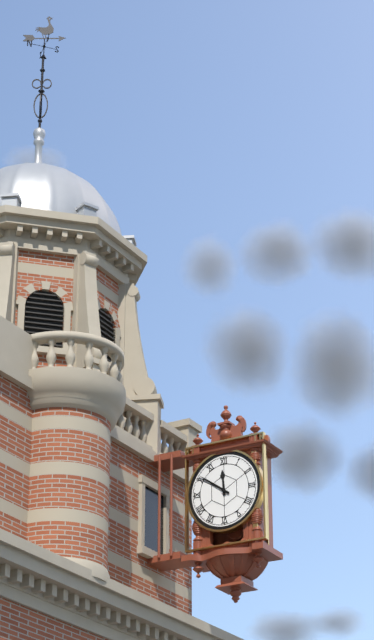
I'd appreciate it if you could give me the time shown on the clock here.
11:51
